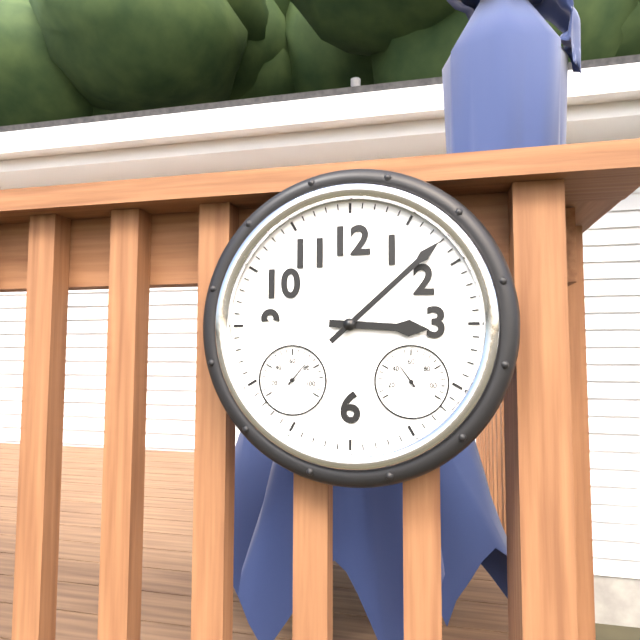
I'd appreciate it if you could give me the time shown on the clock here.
3:08
